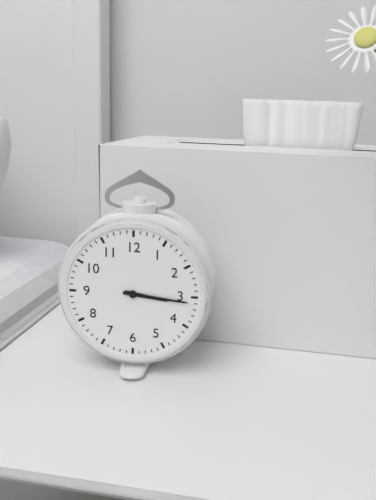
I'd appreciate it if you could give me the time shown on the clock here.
3:16
